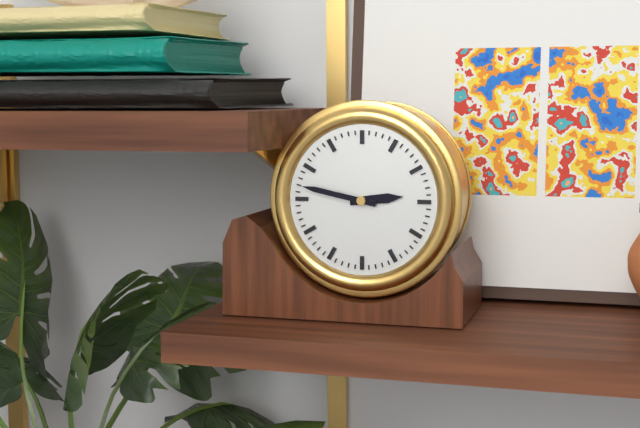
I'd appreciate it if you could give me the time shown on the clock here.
2:47
